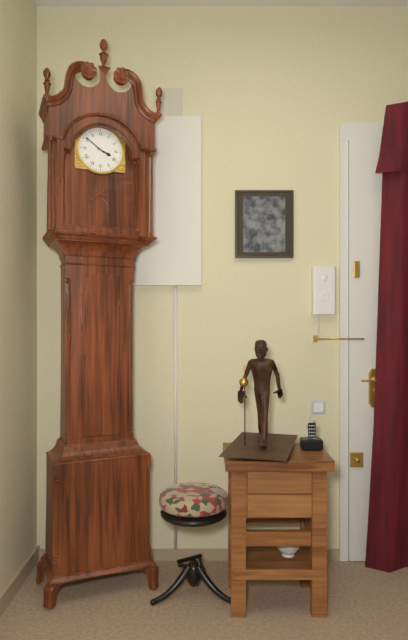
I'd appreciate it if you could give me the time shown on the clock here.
3:51
